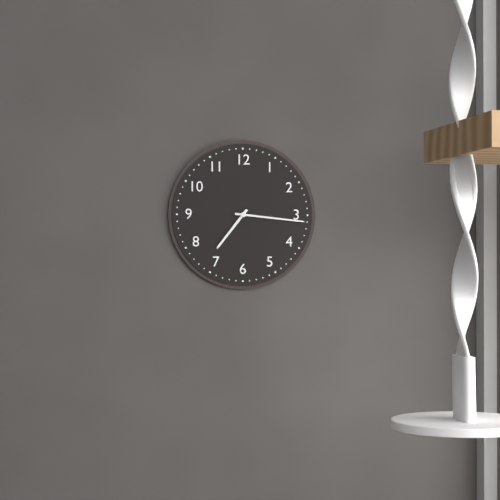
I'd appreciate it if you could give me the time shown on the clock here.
7:16
